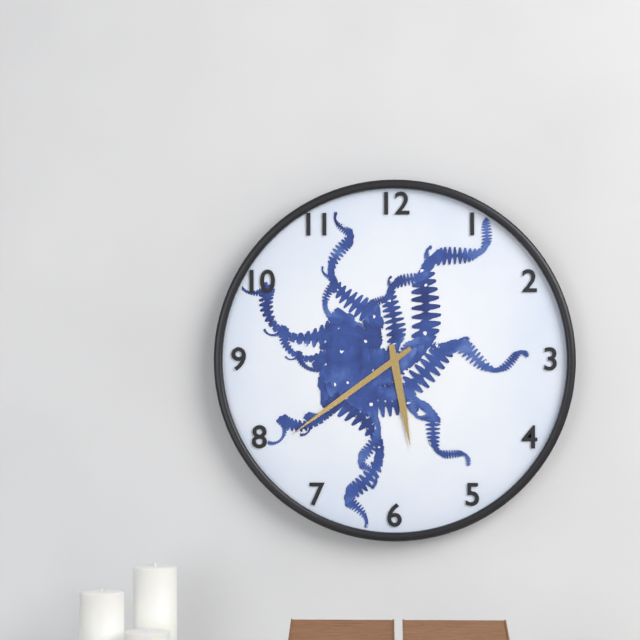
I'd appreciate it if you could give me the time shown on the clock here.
5:39
